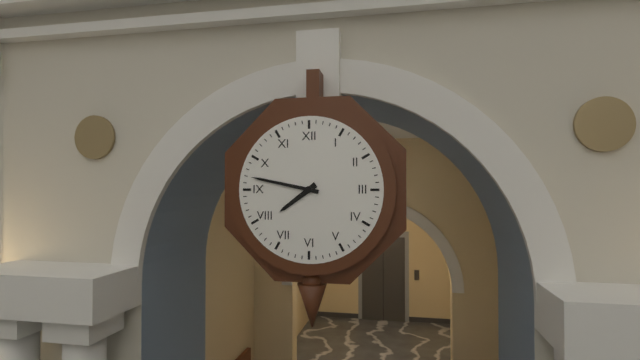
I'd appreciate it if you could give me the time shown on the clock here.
7:47
